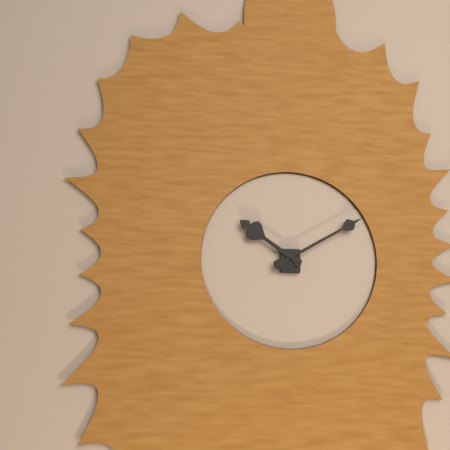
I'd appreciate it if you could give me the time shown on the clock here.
10:10
